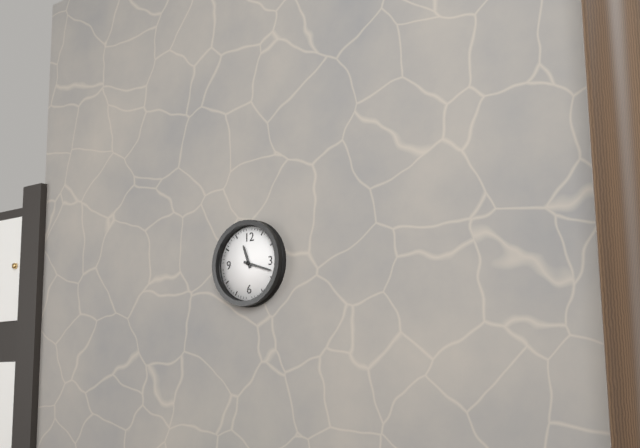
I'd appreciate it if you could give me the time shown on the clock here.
11:18
